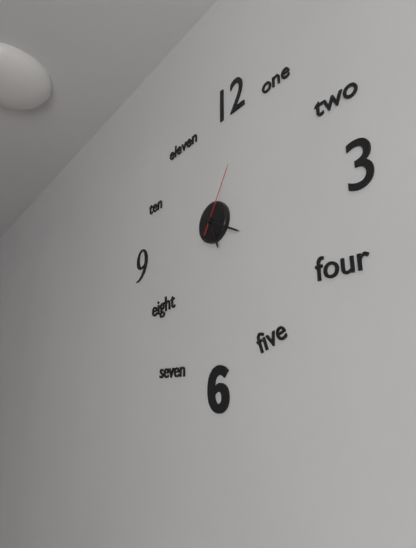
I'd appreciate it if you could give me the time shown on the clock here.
5:20:05
